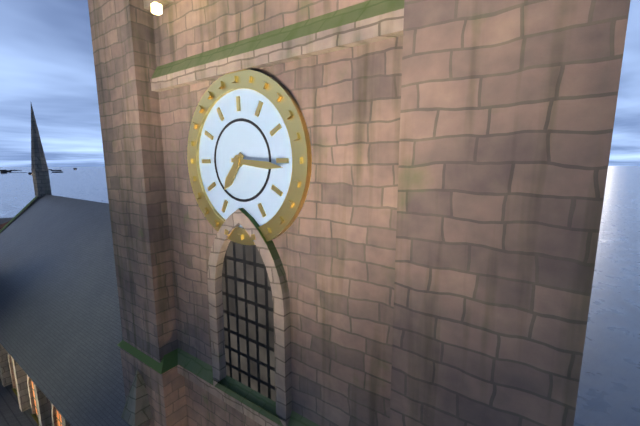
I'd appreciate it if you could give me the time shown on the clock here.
7:16
